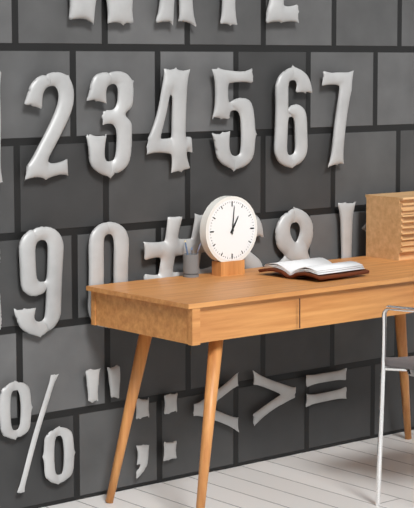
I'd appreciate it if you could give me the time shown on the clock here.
1:01
